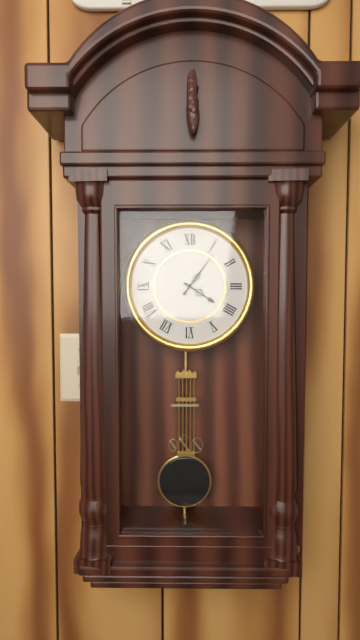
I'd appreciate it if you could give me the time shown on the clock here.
4:06
